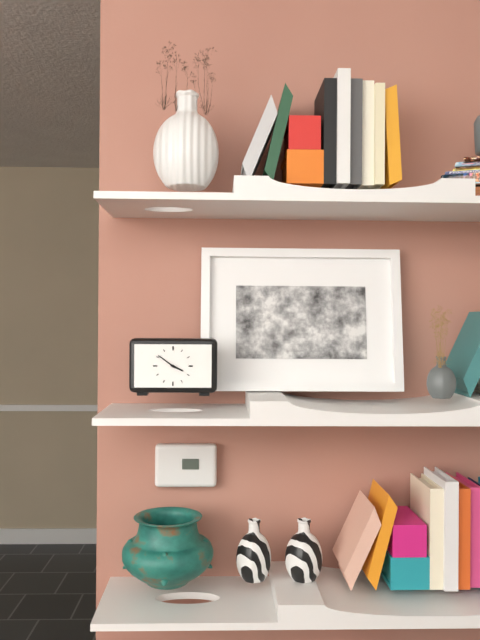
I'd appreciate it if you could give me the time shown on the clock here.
3:51
